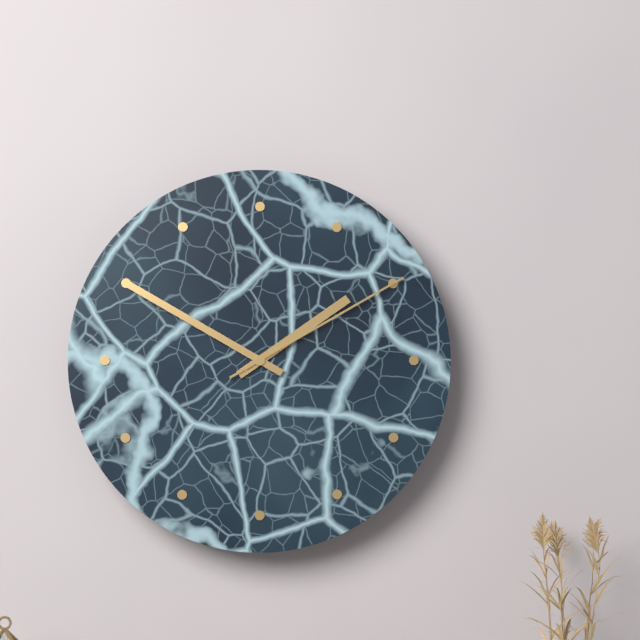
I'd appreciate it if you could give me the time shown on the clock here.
1:50:10
